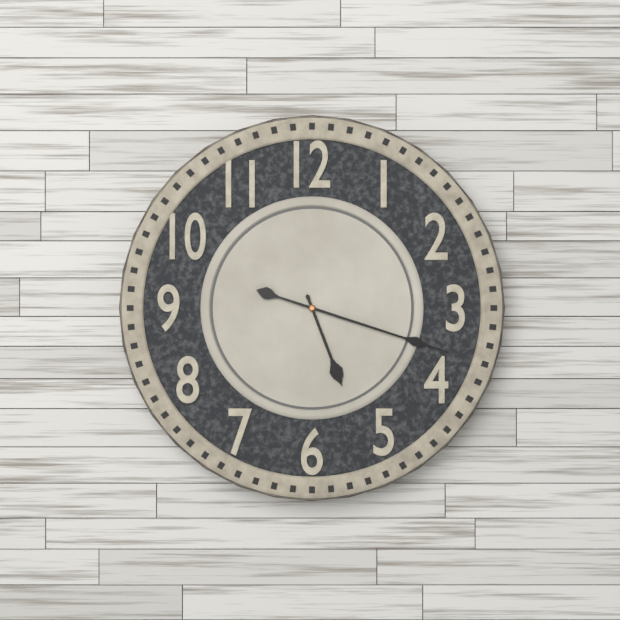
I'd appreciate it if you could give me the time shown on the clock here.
5:18
